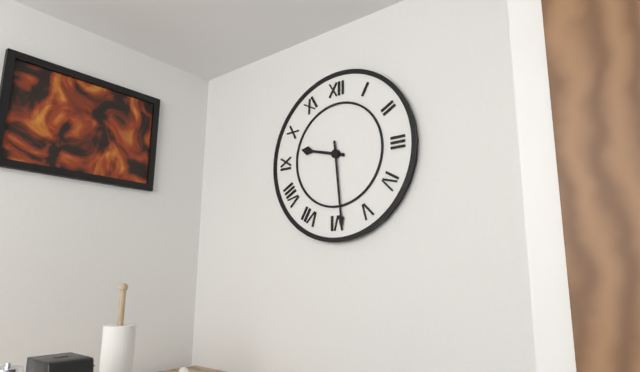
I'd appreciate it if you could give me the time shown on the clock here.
9:29
